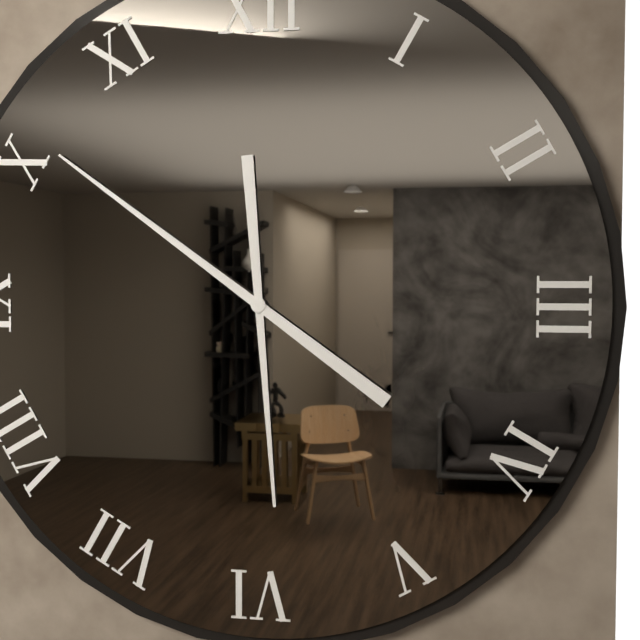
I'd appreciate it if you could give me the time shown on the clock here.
5:51
